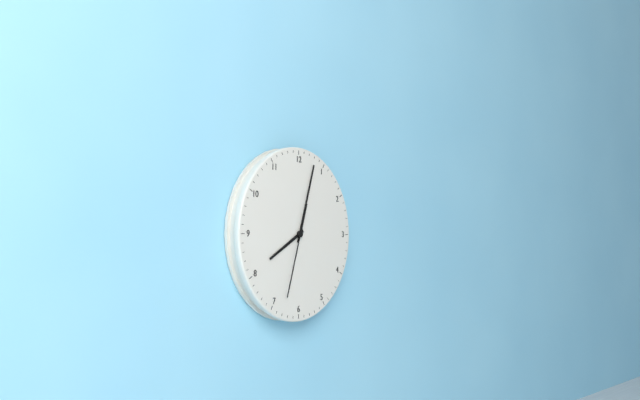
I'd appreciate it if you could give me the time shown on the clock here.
8:03:33
